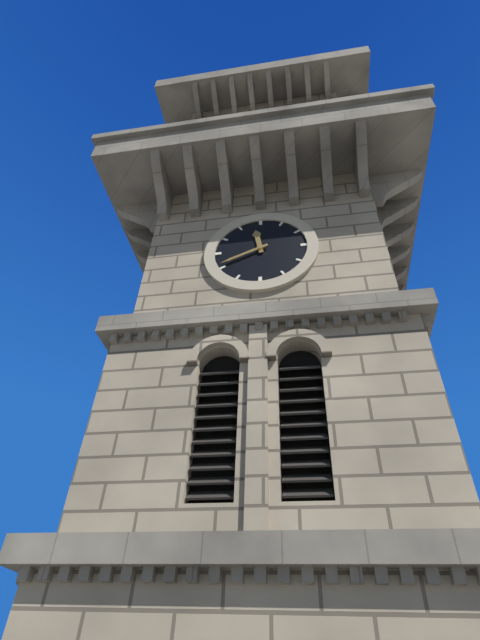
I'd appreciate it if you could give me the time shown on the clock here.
11:41
